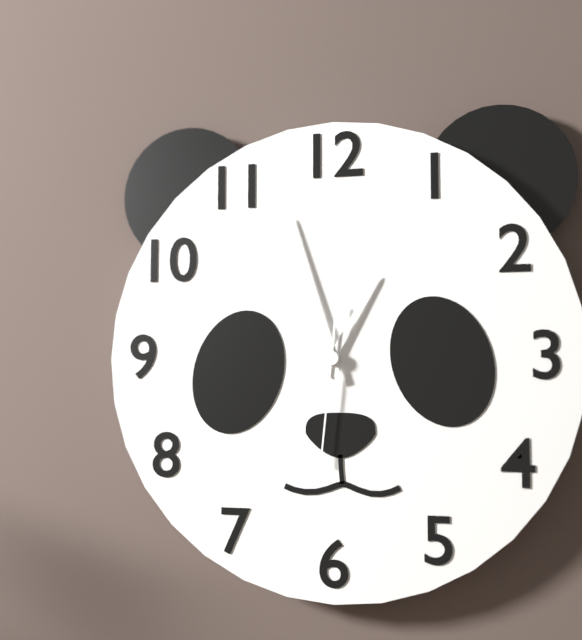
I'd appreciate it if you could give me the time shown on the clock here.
12:57:31
